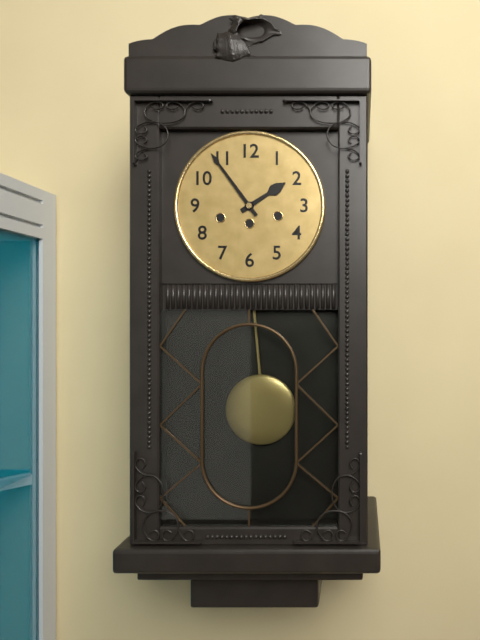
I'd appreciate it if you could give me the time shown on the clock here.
1:54
